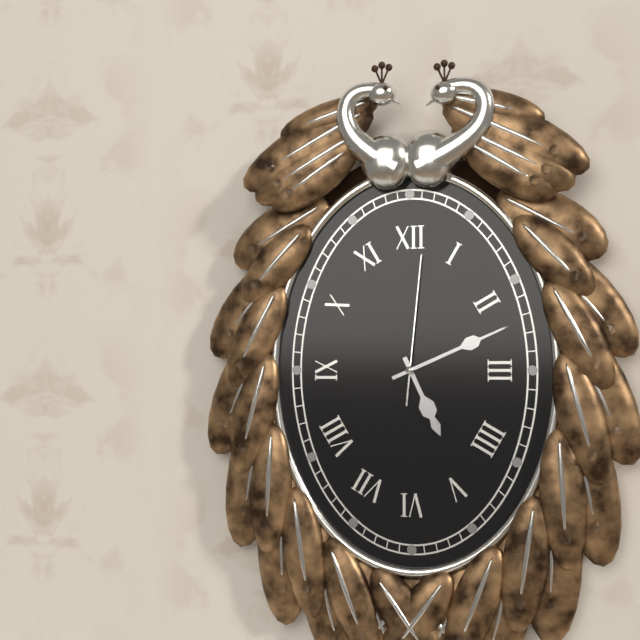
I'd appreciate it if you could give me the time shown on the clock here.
5:11:01
